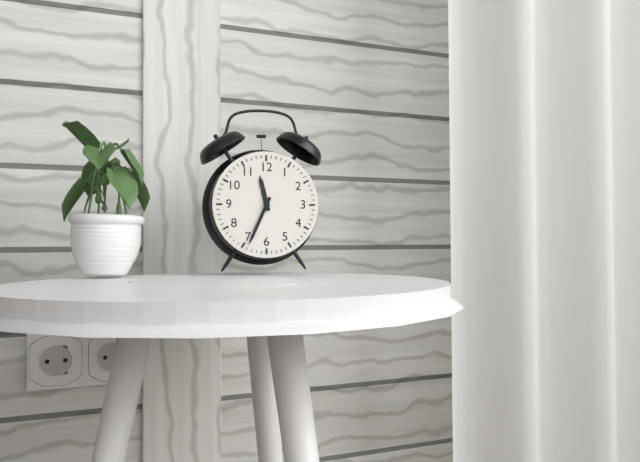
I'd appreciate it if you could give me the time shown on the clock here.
11:34
